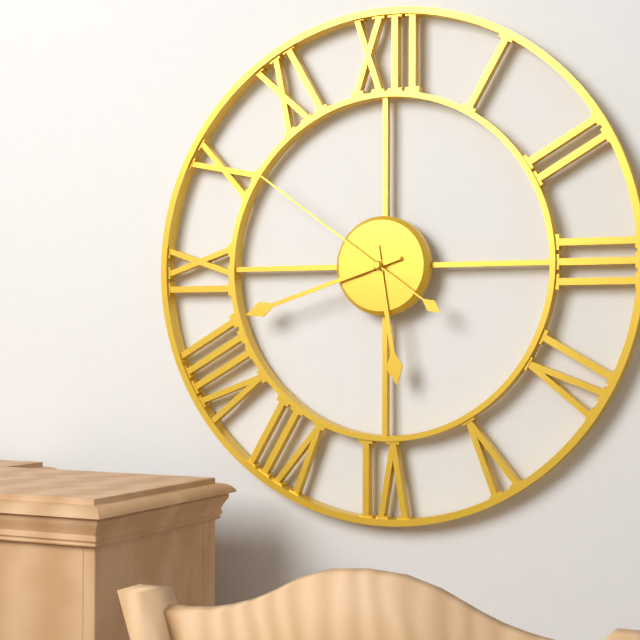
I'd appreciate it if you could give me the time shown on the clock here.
5:42:51
